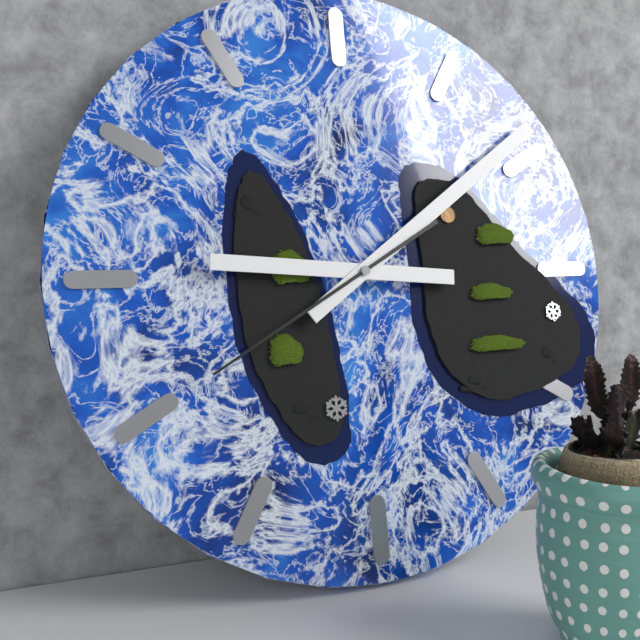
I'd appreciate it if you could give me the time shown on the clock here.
9:09:40
